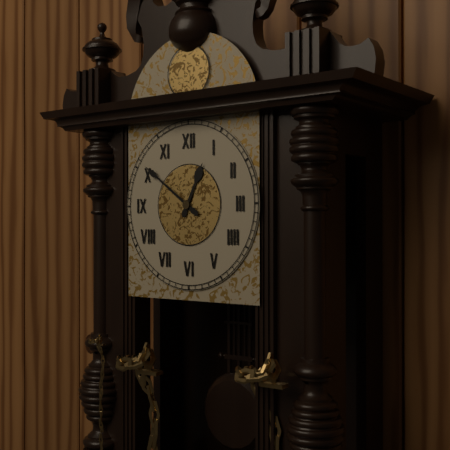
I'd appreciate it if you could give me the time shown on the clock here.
12:51
